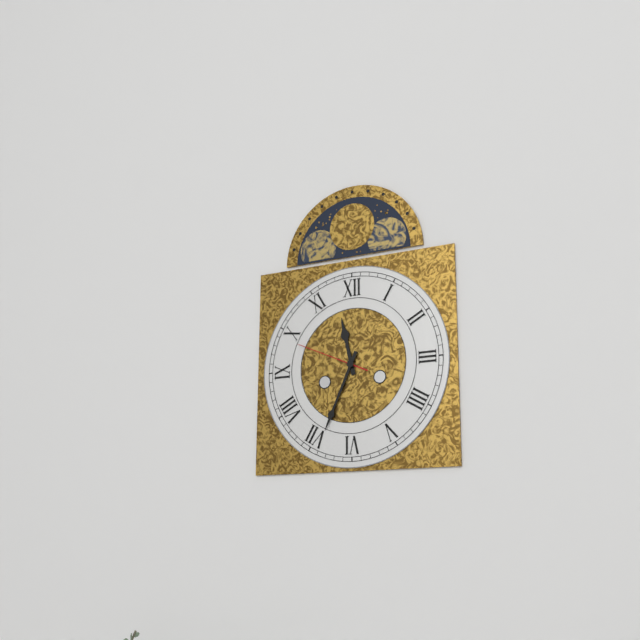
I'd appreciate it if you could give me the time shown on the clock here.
11:34:49
